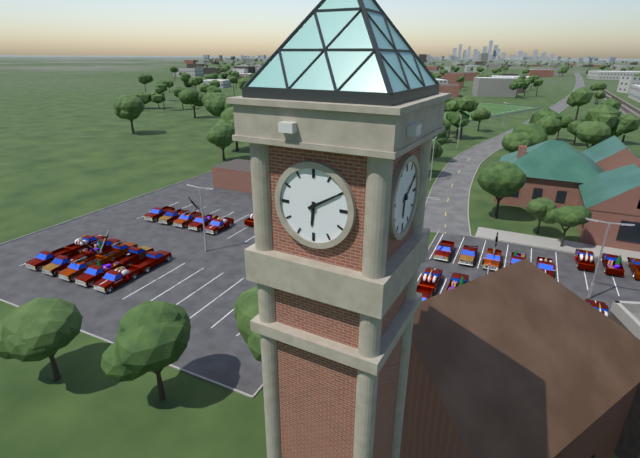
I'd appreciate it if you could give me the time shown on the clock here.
6:10
